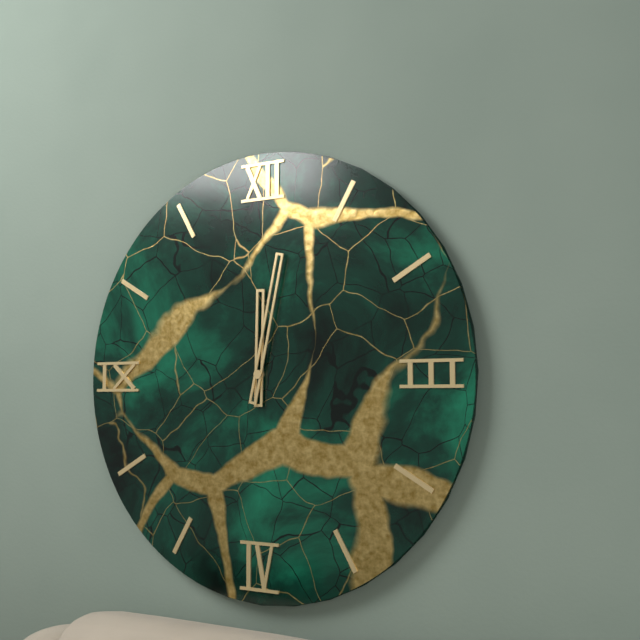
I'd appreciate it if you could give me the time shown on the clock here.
12:02
